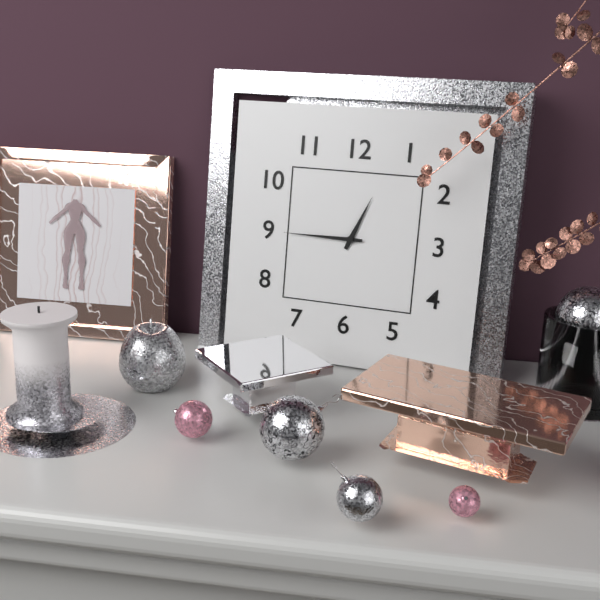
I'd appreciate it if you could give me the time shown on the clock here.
12:45
